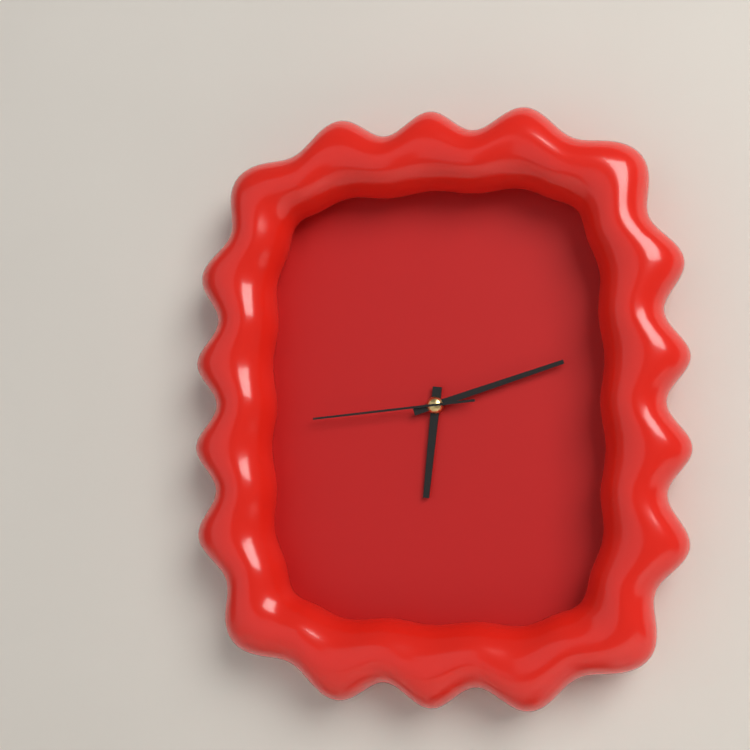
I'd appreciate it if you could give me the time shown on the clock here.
6:12:44
